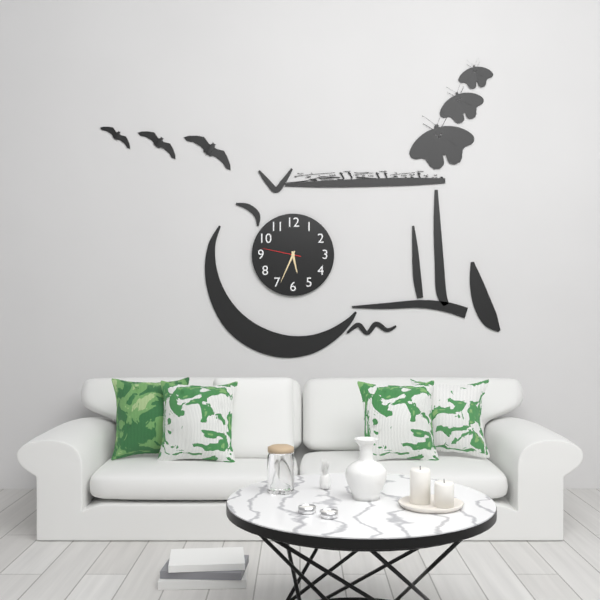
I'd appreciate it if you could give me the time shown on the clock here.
5:34
